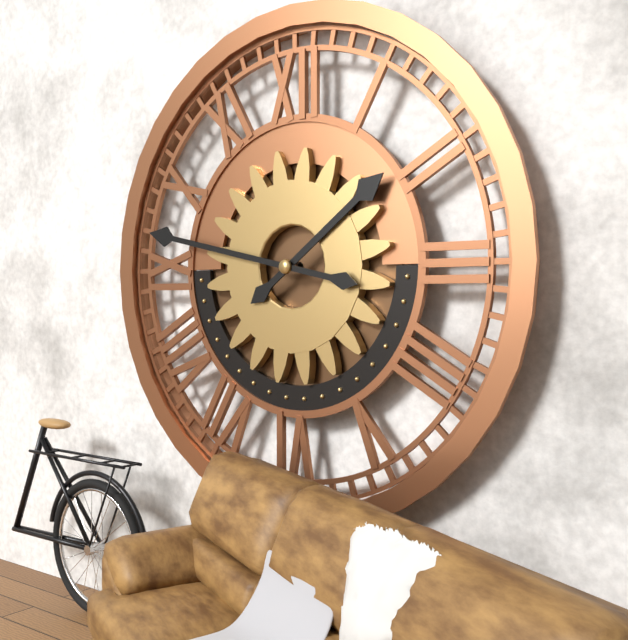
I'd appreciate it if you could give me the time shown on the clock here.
1:47
